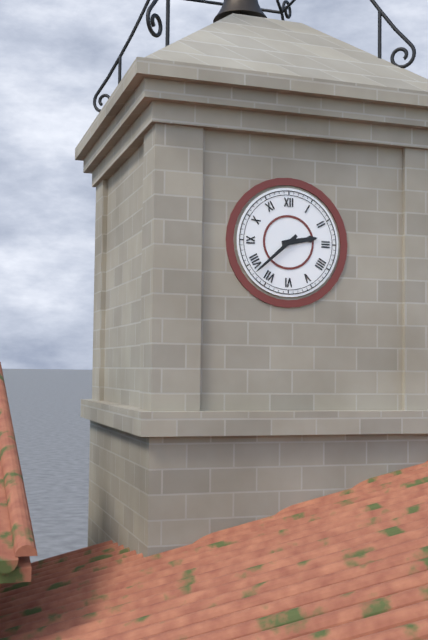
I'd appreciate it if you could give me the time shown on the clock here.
2:38
